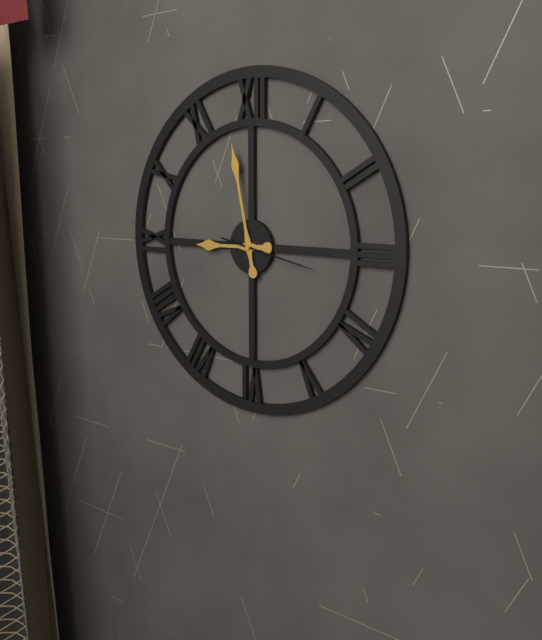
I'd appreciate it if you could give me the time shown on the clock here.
8:58:17
